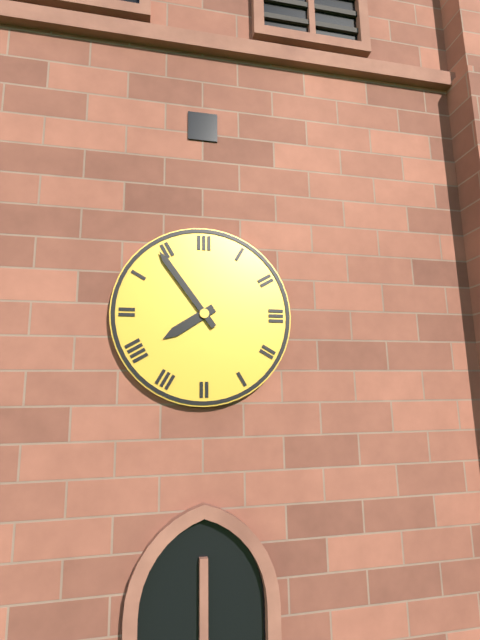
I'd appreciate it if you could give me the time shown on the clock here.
7:54
